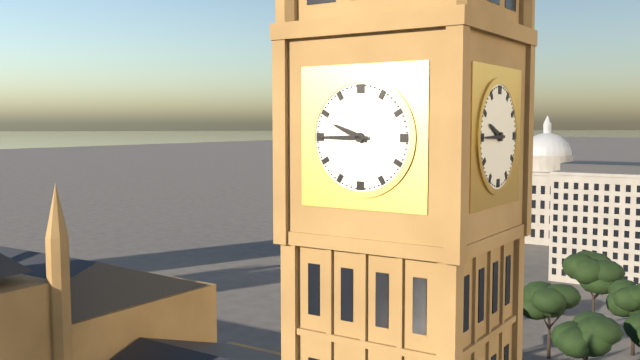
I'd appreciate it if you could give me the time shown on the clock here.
9:45
